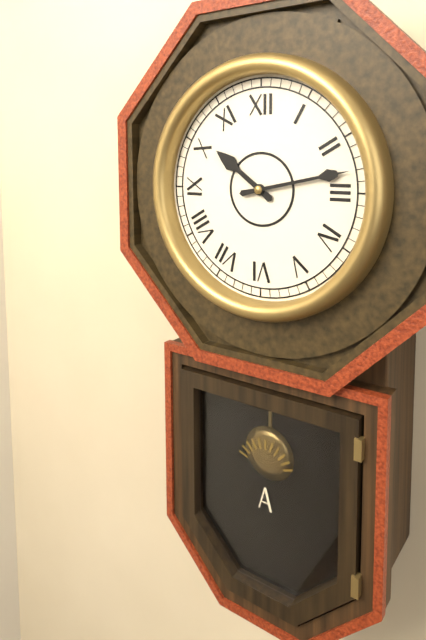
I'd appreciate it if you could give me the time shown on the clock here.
10:13
